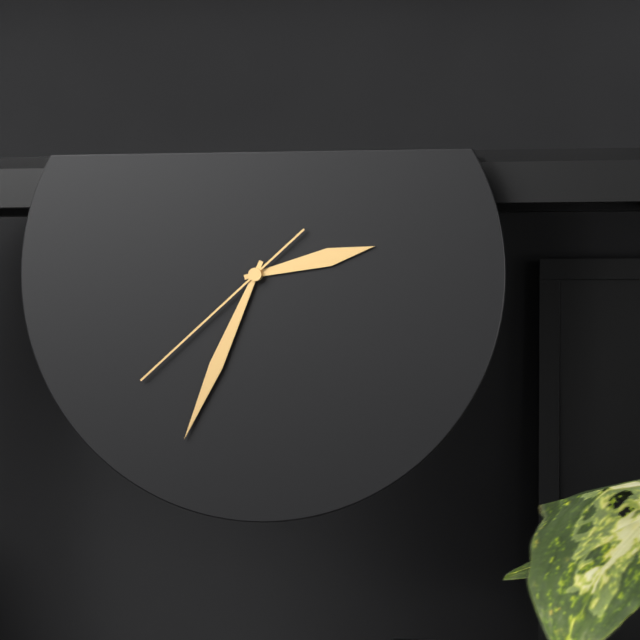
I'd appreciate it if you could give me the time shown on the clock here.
2:34:38
